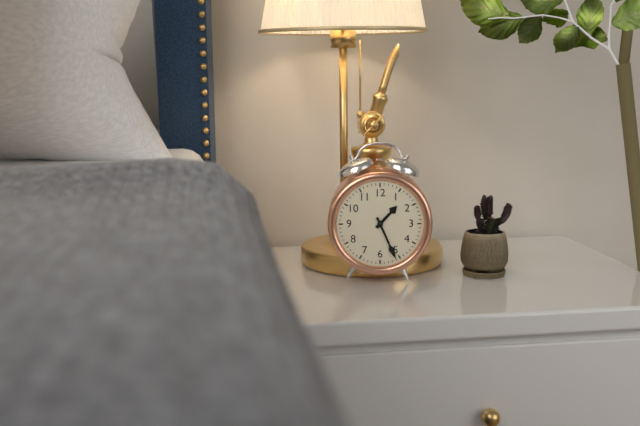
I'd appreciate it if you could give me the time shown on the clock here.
1:26
